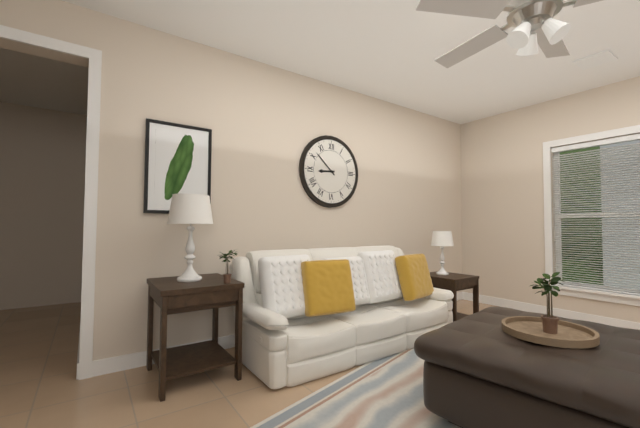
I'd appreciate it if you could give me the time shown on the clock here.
8:52
